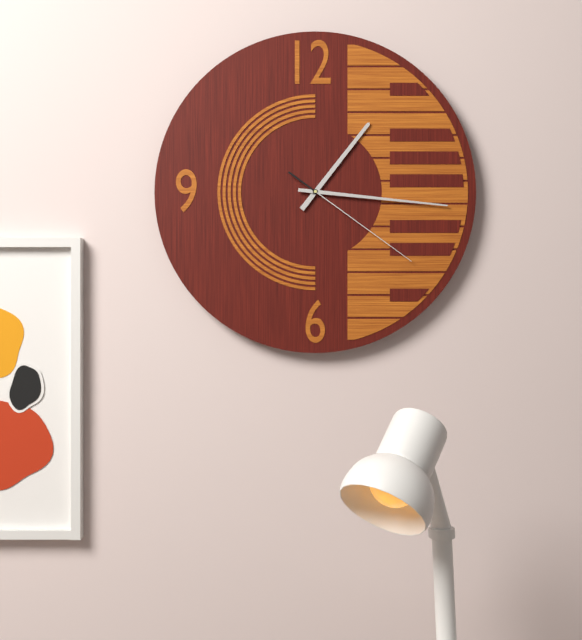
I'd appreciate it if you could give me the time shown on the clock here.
1:16:21
